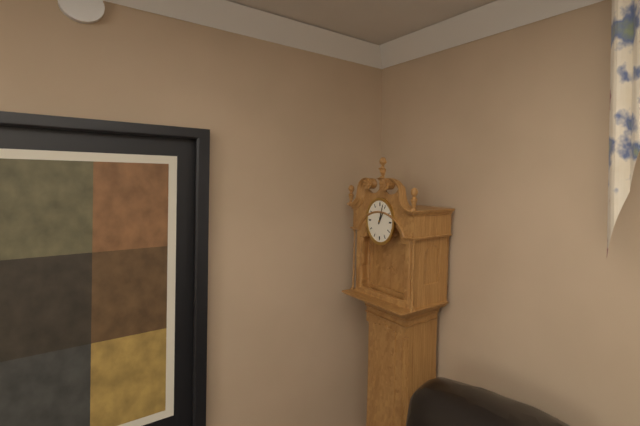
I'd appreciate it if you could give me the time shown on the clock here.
1:03
